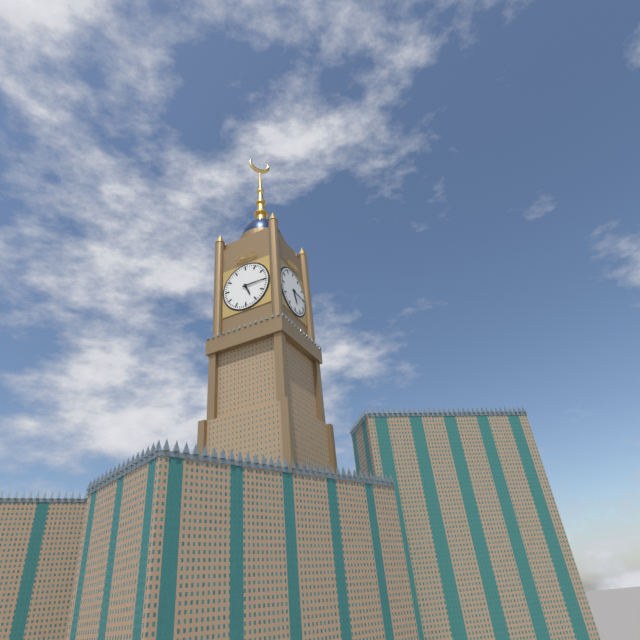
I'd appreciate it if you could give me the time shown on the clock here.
5:15
